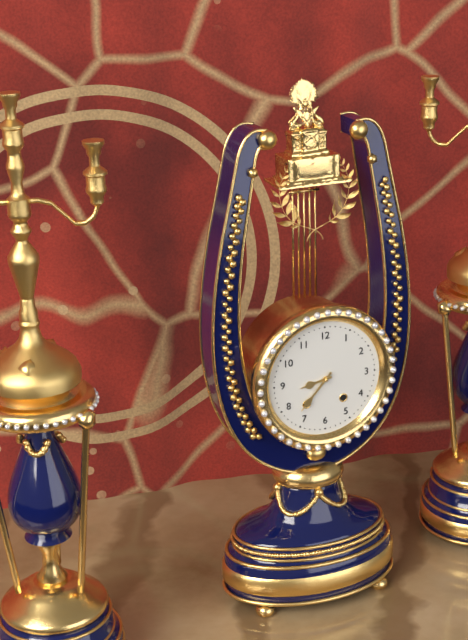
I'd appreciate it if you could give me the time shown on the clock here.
8:37
